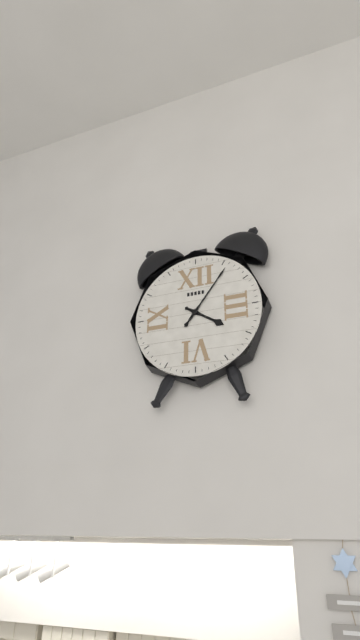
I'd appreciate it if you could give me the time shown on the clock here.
4:06
